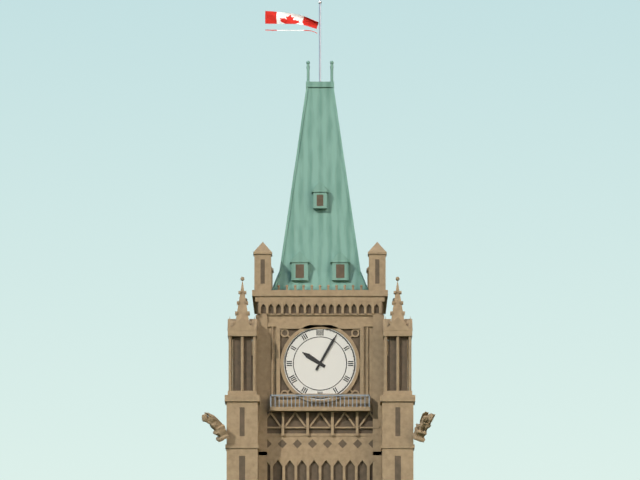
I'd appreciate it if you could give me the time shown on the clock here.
10:05
